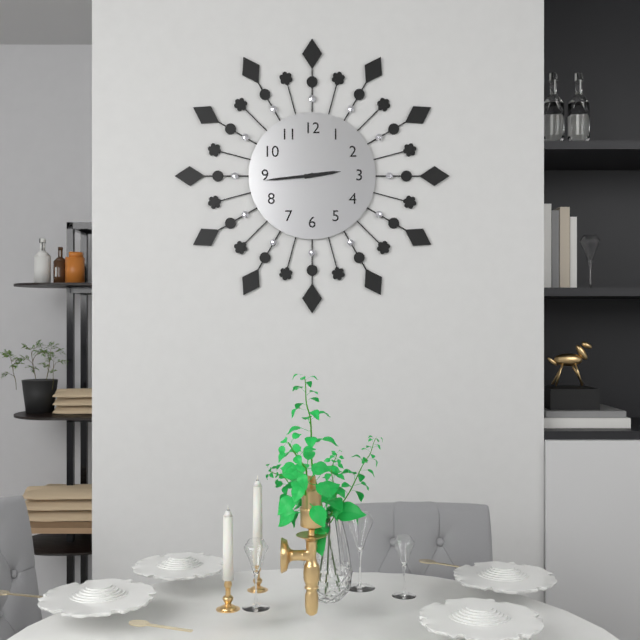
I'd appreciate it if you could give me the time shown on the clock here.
2:44
